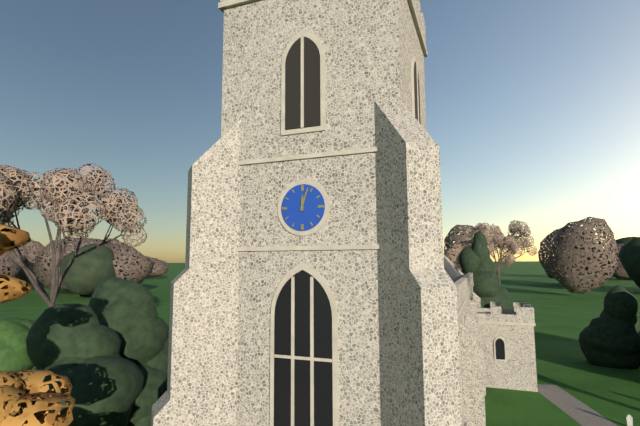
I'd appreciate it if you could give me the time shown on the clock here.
12:03
